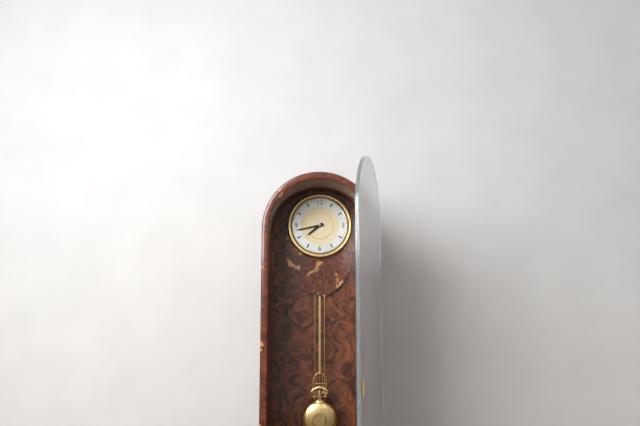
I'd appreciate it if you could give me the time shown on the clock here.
7:43
